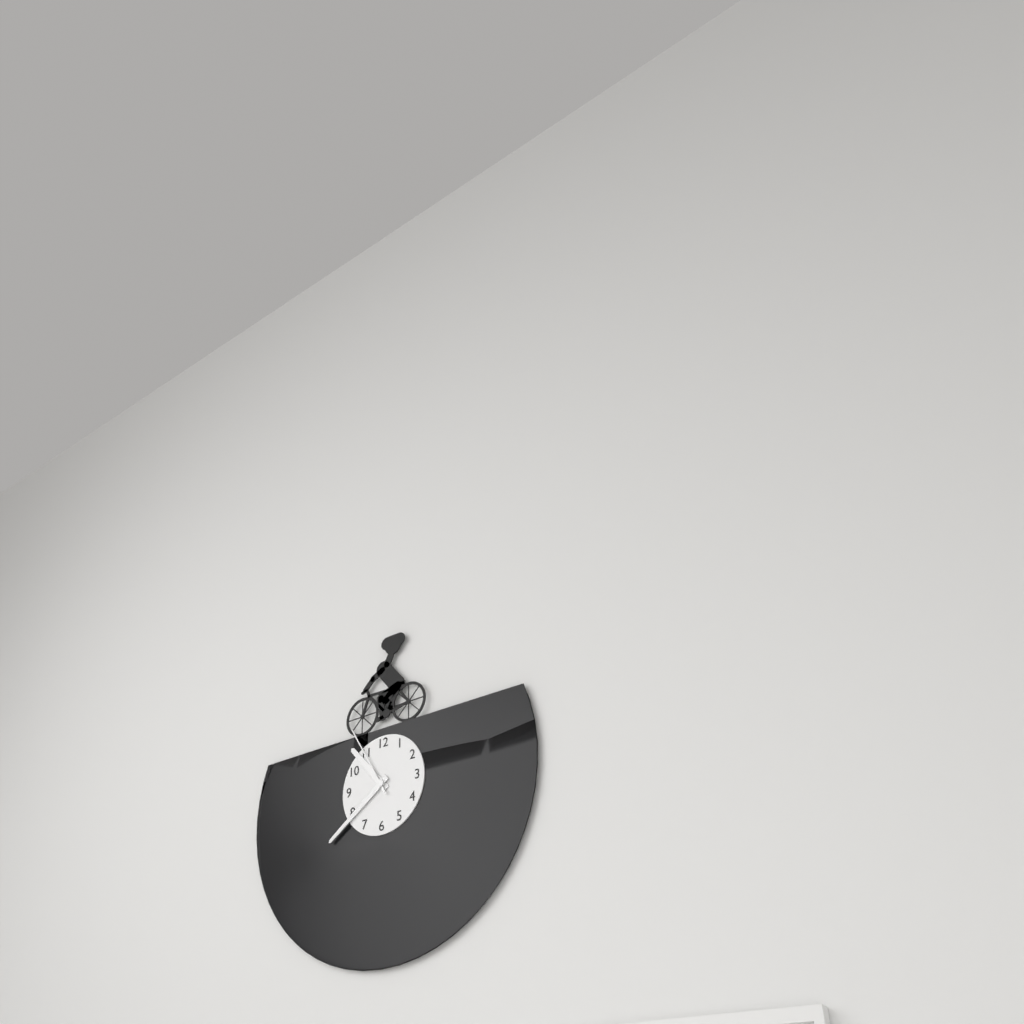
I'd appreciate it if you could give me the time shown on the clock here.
10:39:55
